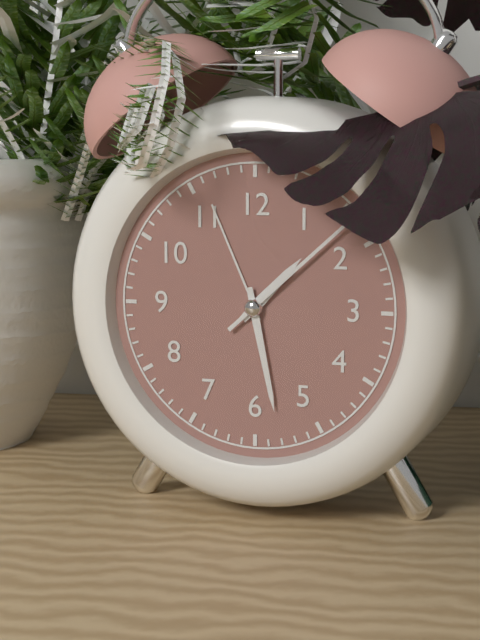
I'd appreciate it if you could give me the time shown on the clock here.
1:28
